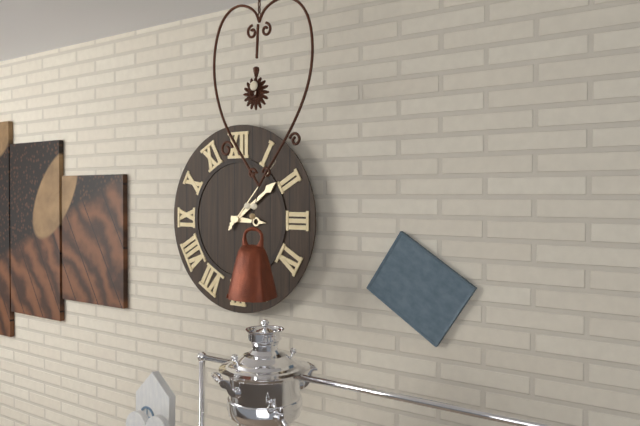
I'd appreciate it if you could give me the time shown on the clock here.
3:09:07
